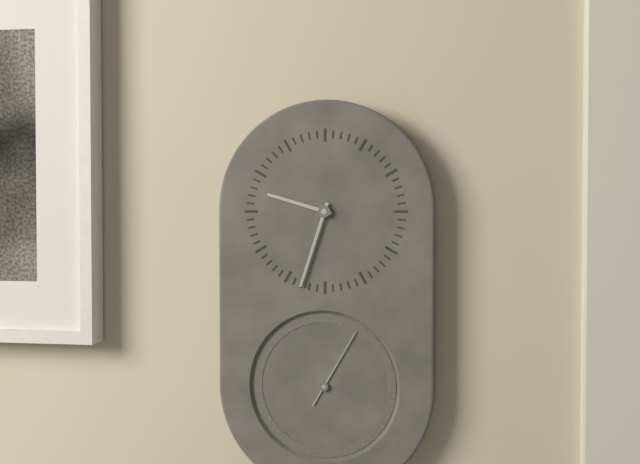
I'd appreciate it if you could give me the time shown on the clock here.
9:33:05
